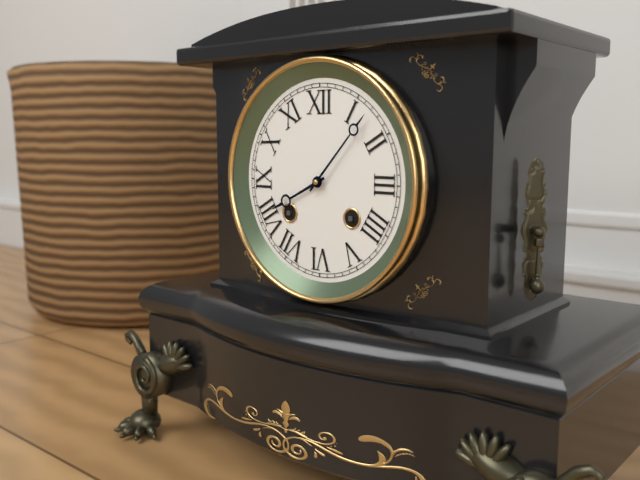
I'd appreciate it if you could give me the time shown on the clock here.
8:07
